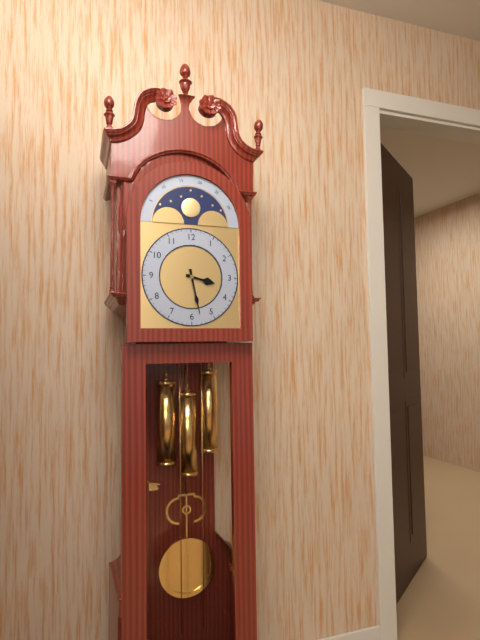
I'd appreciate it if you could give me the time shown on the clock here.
3:28
